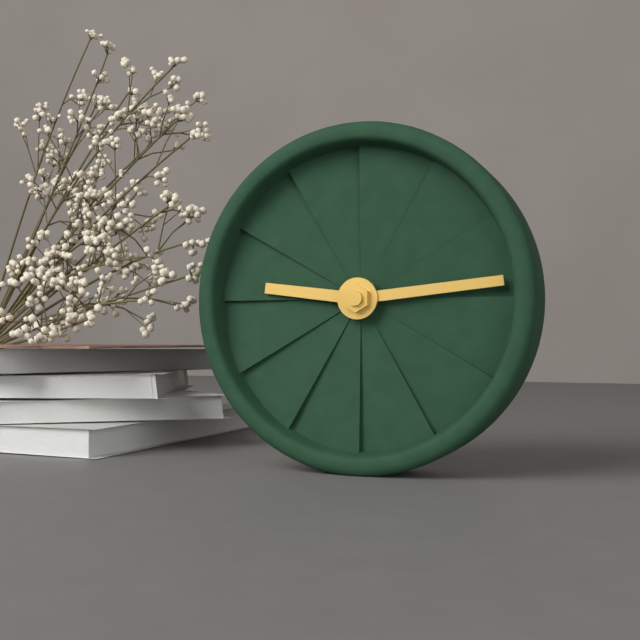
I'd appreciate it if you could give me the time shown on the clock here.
9:14
